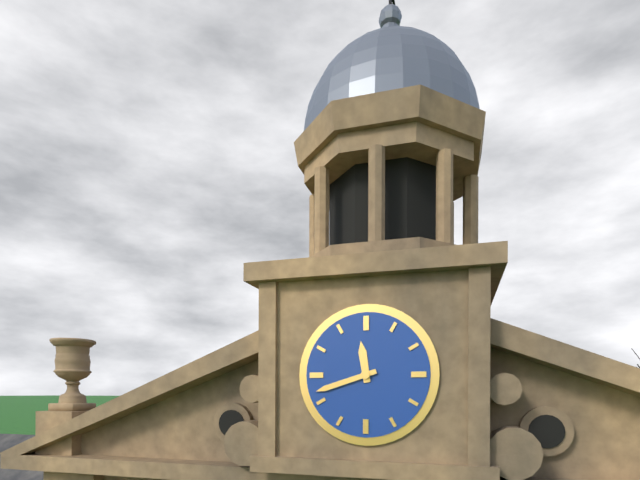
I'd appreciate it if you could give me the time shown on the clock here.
11:42
